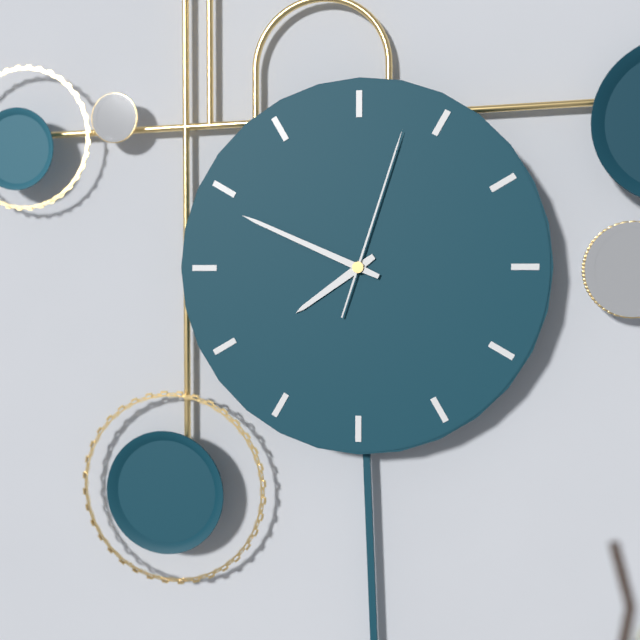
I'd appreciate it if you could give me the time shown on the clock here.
7:49:03
